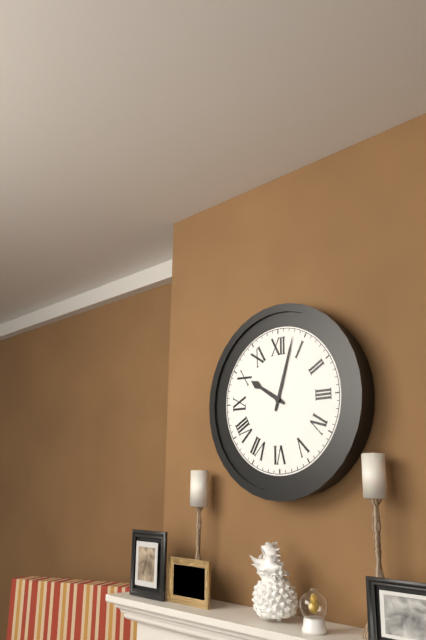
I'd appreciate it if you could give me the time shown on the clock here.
10:03
